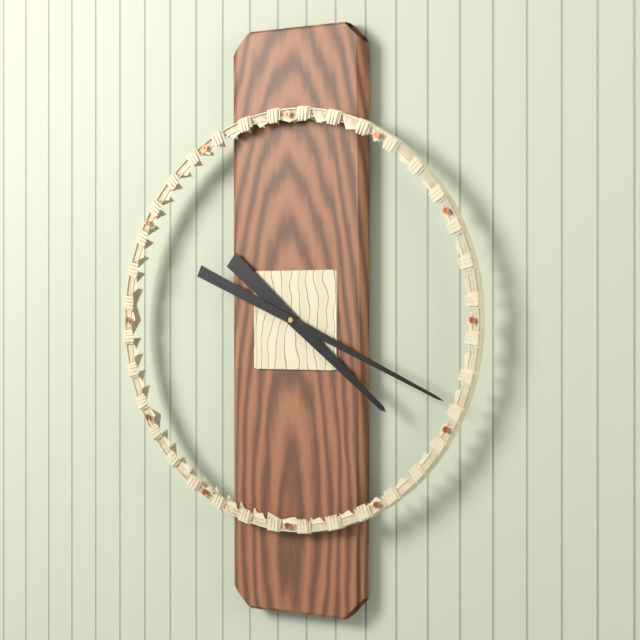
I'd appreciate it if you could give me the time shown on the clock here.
4:19
